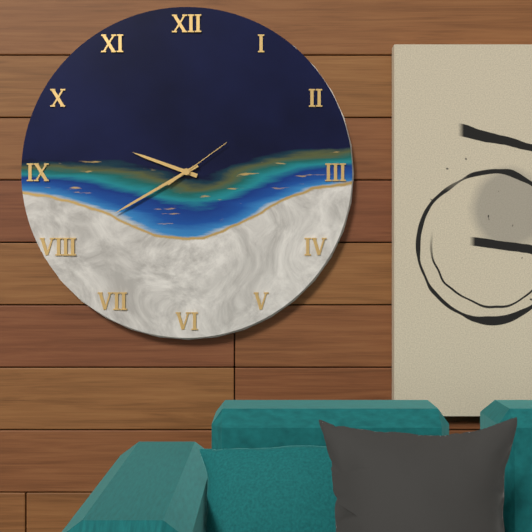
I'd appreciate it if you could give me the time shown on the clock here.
9:40:09
